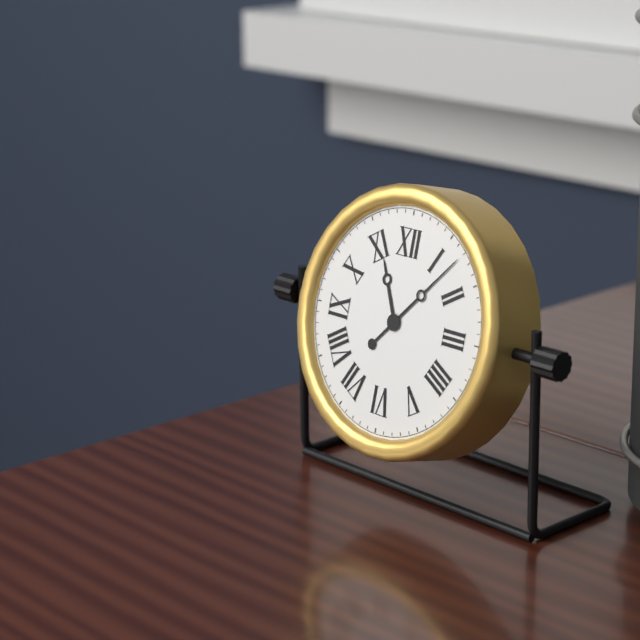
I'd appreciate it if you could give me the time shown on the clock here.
11:07
